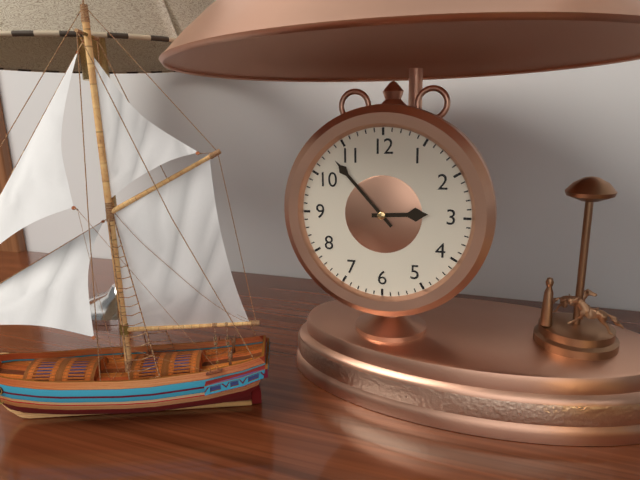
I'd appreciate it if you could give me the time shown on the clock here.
2:53
